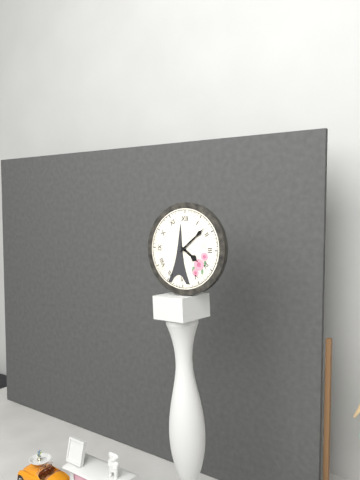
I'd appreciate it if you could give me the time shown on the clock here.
4:08
